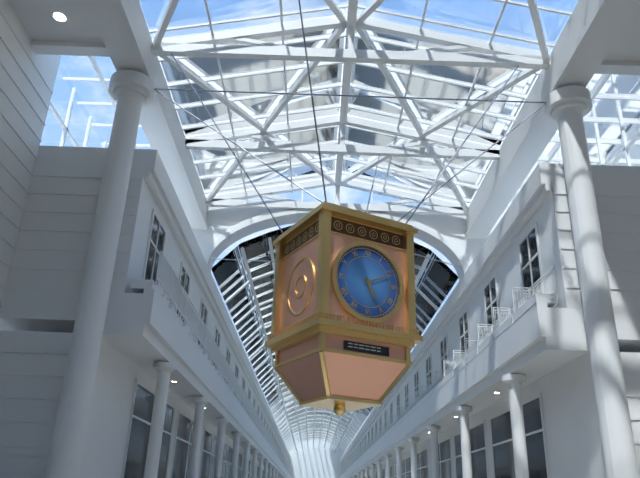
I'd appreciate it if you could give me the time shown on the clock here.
5:11
